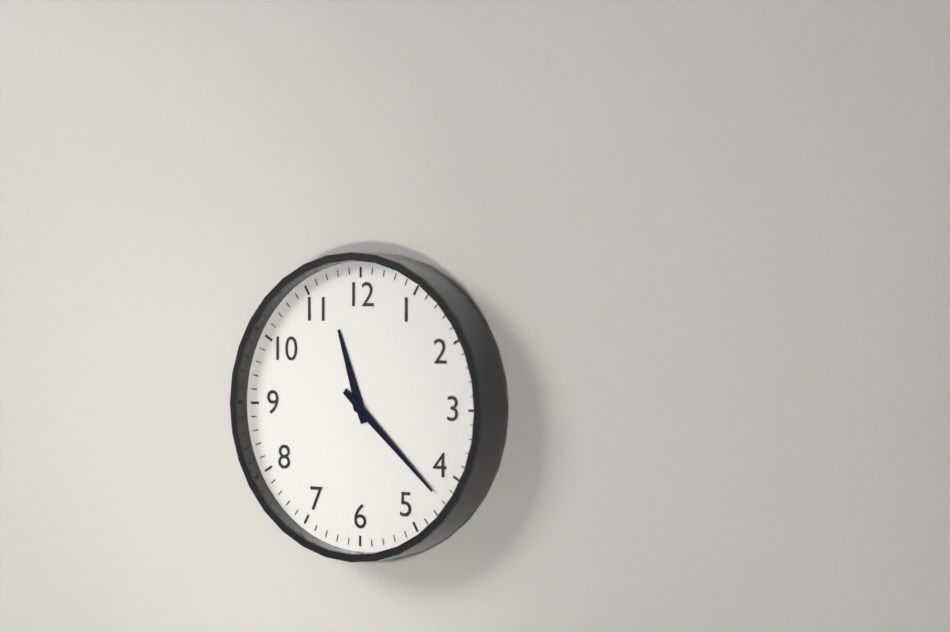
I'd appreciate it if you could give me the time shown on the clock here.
11:22
